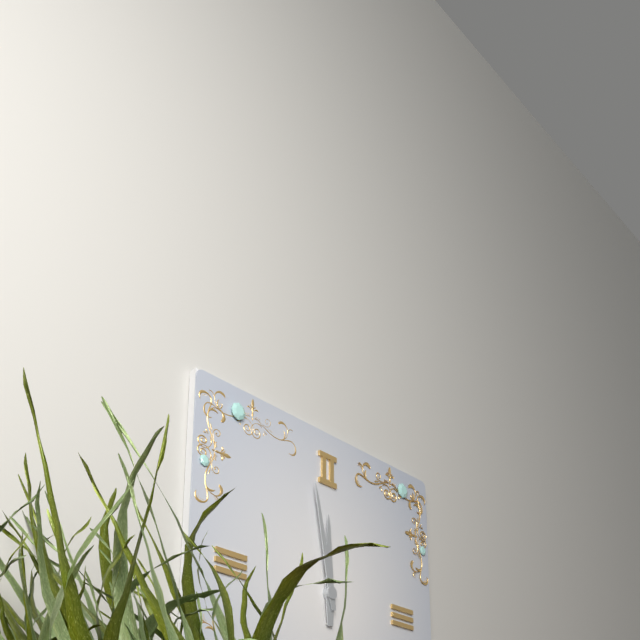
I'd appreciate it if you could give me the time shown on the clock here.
11:58
